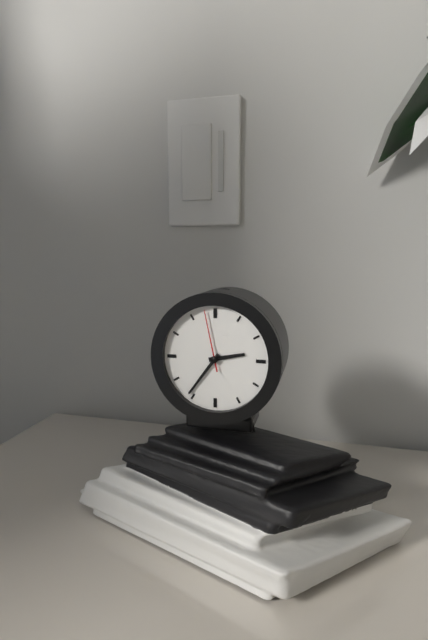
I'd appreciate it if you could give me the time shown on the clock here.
2:36:58
